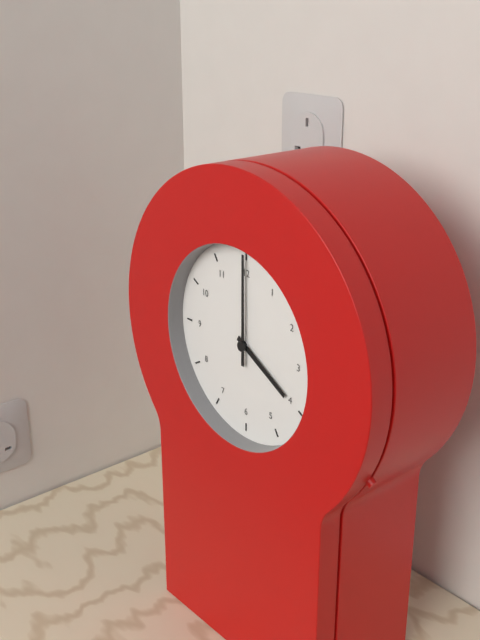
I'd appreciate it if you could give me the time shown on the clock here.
4:00
